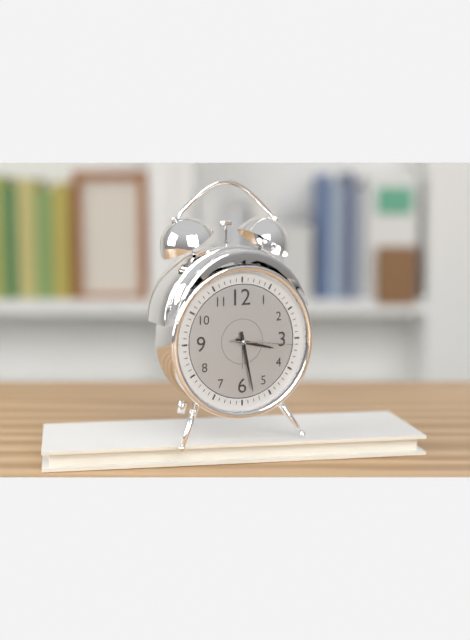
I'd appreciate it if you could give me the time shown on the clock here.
3:28:16
